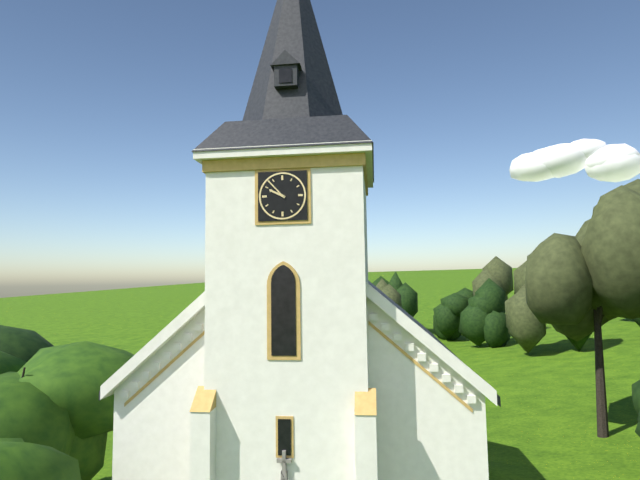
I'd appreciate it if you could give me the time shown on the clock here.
9:53
